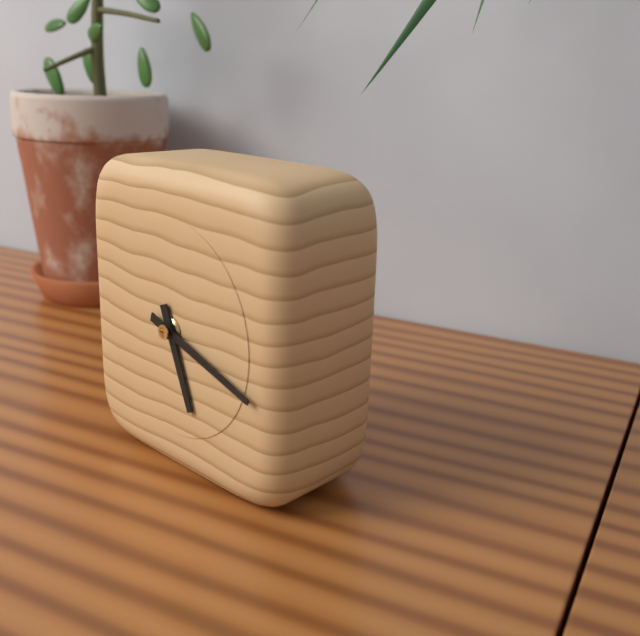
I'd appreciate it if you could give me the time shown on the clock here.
5:18
